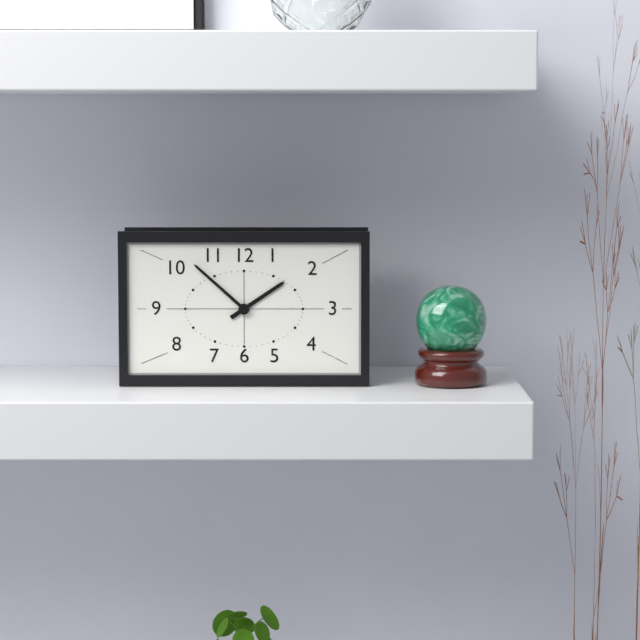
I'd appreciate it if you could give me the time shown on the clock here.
1:52
